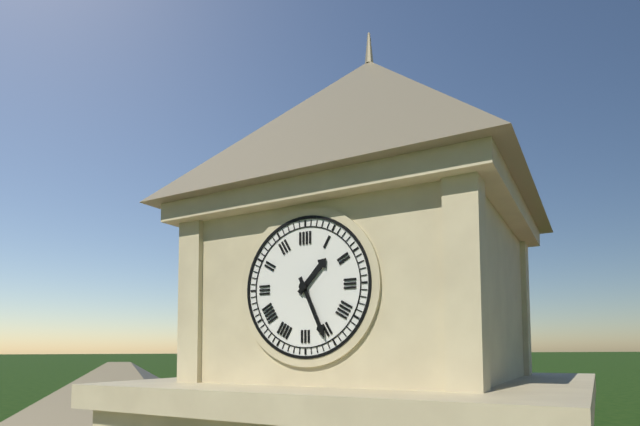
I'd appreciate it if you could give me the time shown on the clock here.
1:26
